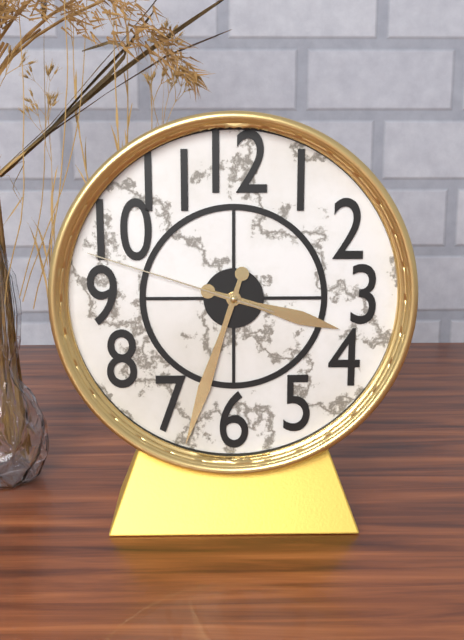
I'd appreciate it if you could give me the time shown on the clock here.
3:33:48
